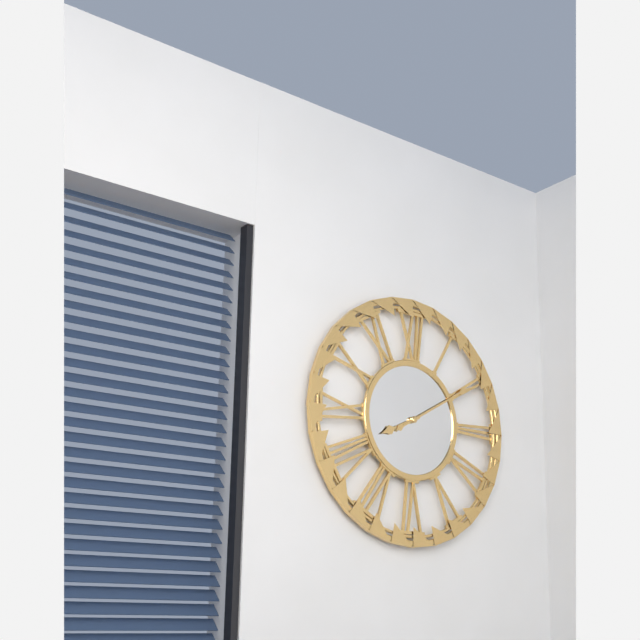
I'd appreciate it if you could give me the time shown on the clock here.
8:10
